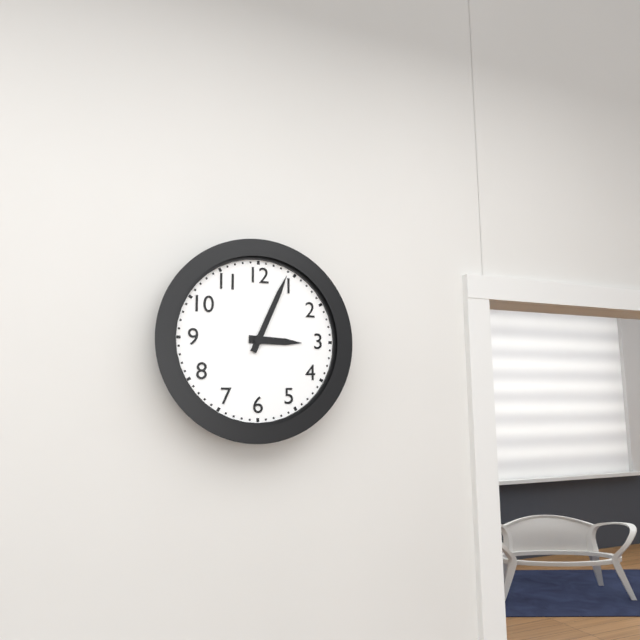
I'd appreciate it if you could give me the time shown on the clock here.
3:04
